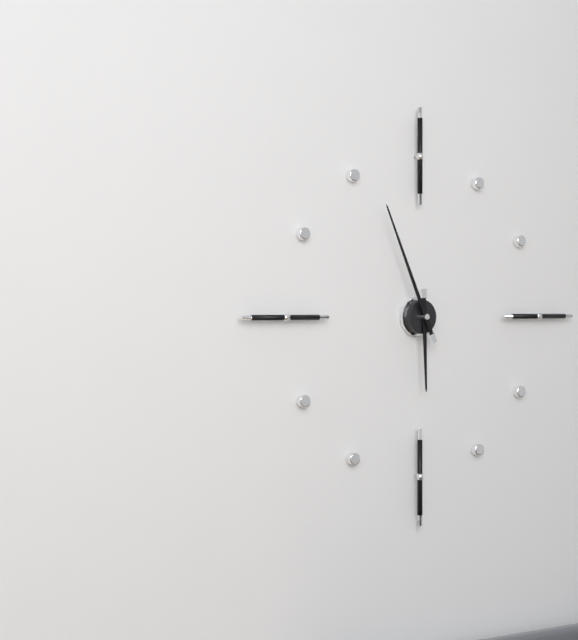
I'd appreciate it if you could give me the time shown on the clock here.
5:56
